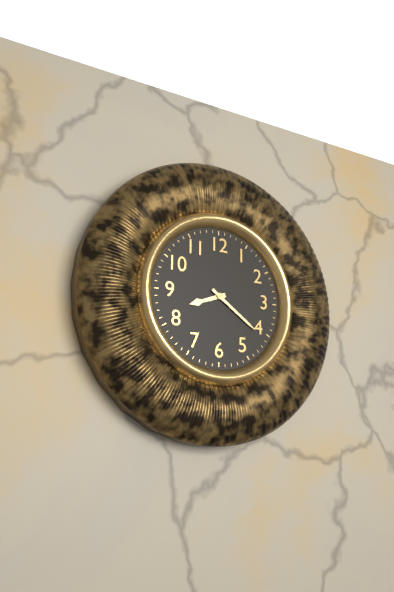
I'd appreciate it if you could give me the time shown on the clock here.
8:21
